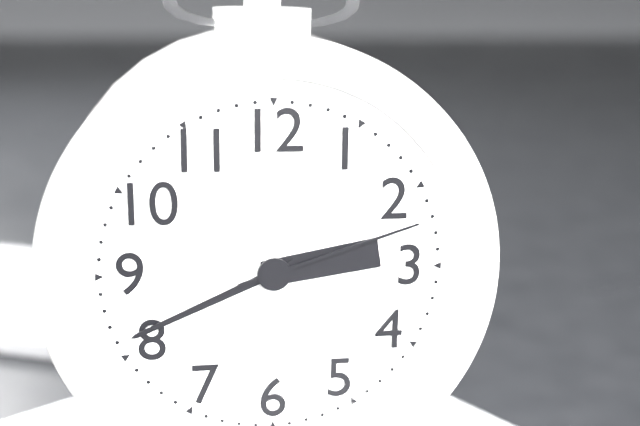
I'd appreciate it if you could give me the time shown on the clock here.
2:41:12
